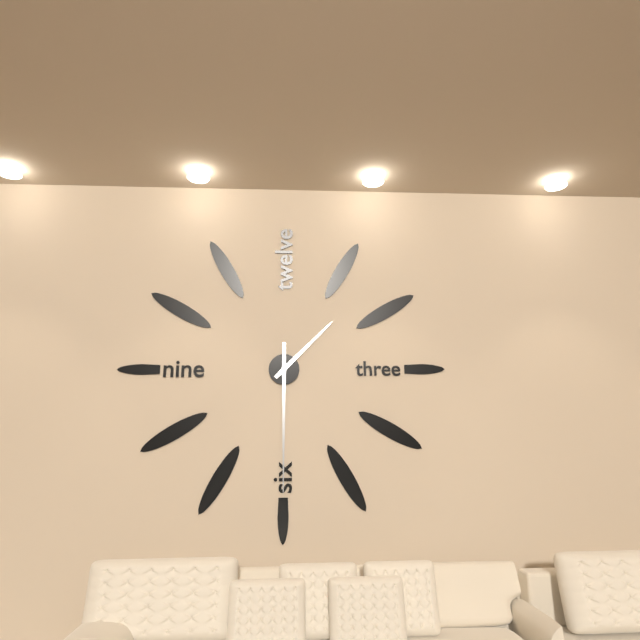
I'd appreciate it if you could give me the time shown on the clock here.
1:30
